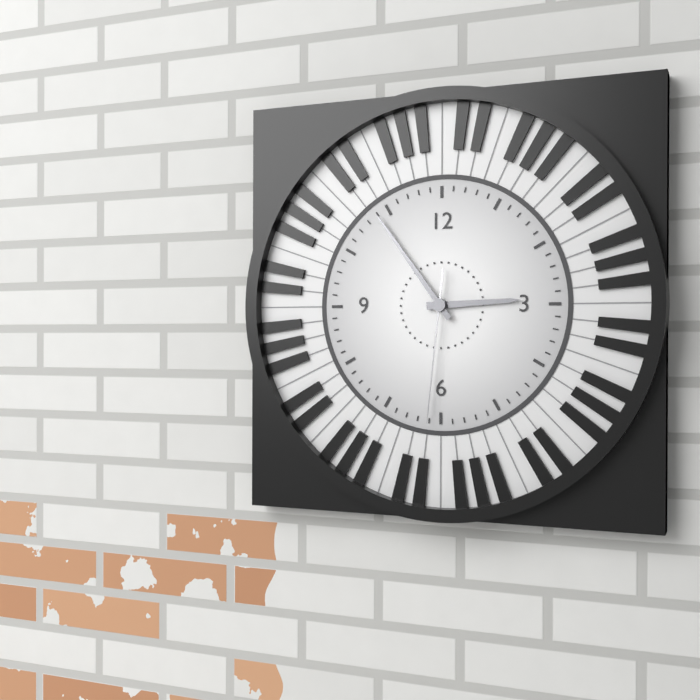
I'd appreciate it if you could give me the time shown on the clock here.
2:54:31
